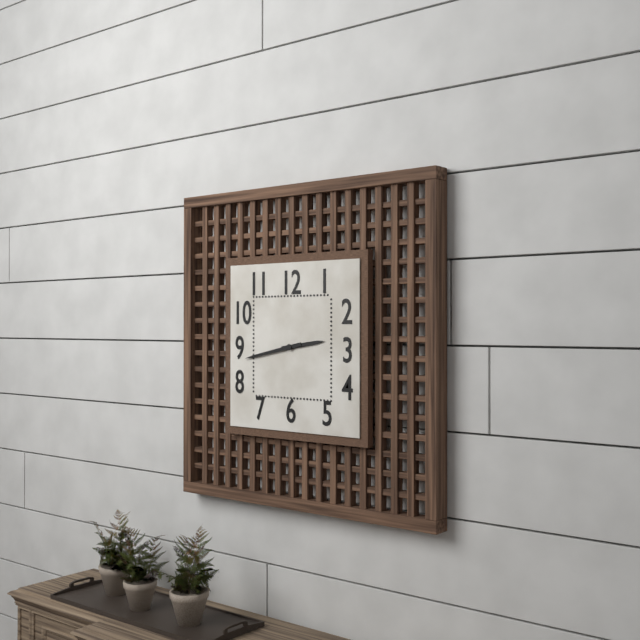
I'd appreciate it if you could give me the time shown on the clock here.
2:43
